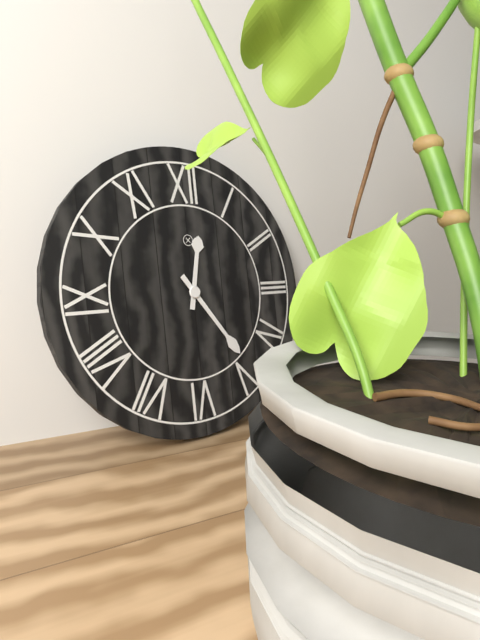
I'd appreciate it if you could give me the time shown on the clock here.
12:24
